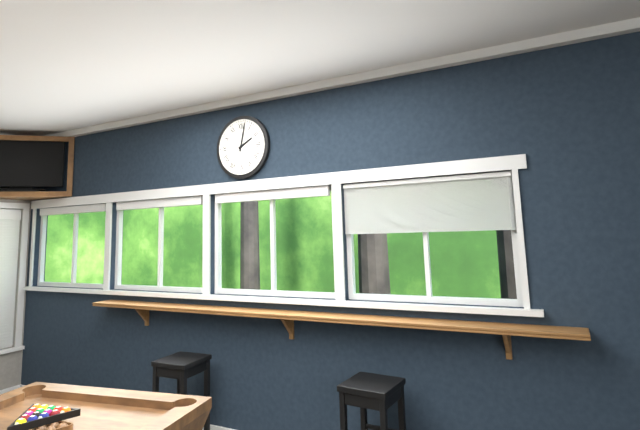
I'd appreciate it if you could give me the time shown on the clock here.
2:02
